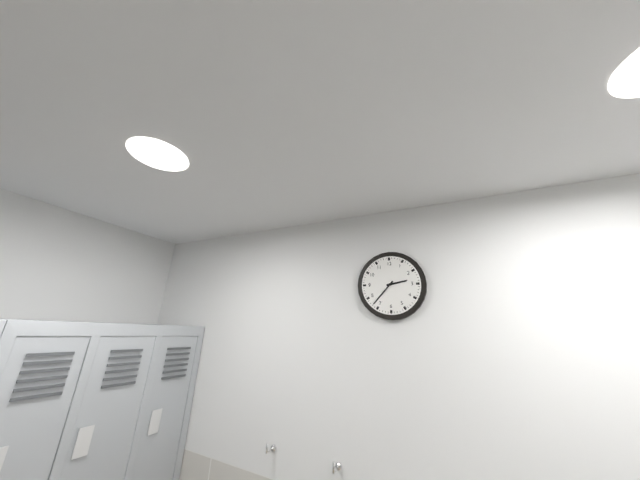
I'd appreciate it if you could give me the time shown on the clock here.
2:37
